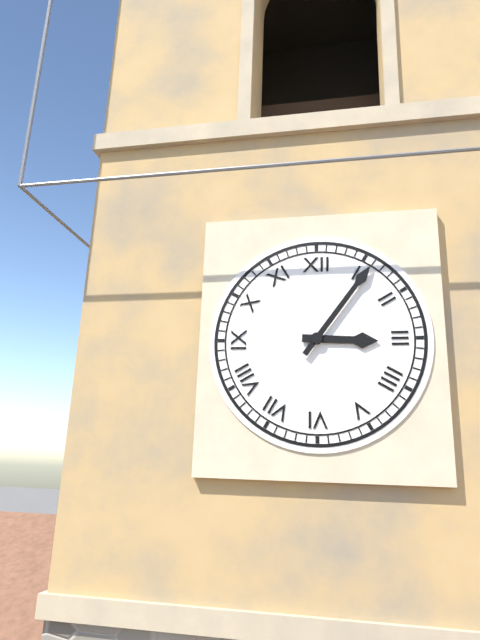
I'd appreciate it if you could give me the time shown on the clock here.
3:06
